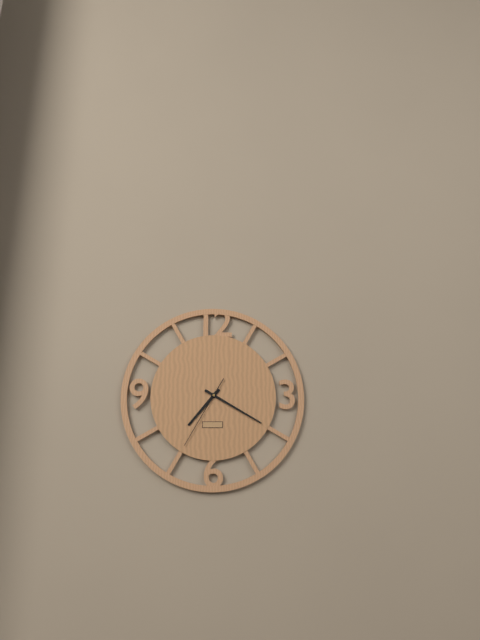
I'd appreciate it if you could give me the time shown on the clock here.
7:20:35
